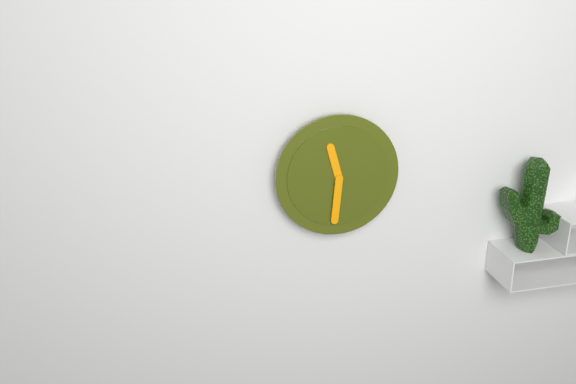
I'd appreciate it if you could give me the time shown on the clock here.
11:31
